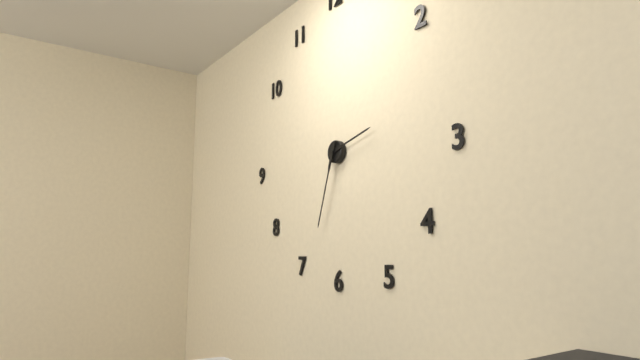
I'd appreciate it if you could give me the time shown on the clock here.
2:33
